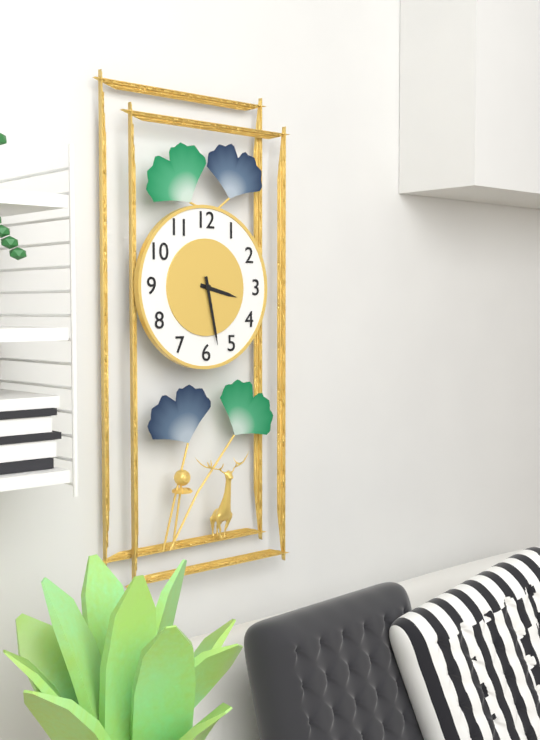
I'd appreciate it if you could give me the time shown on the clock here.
3:28
